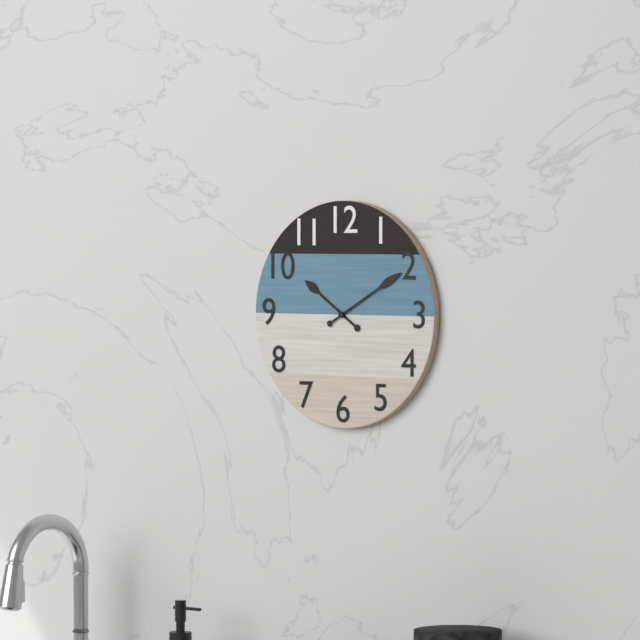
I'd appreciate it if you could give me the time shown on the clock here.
10:10
